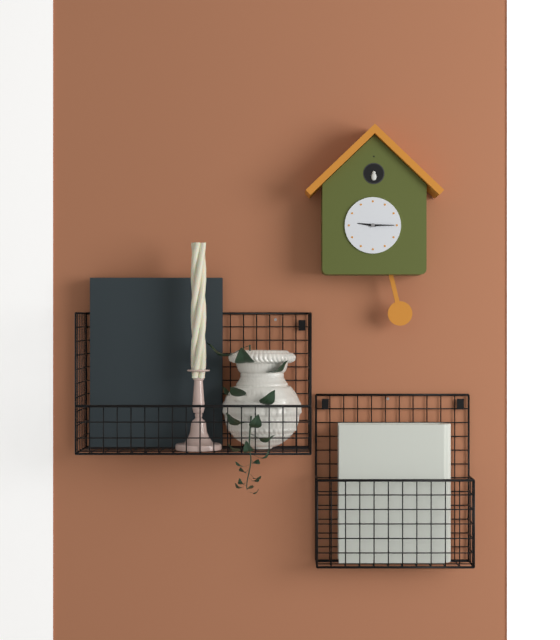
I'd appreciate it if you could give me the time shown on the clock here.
9:15
